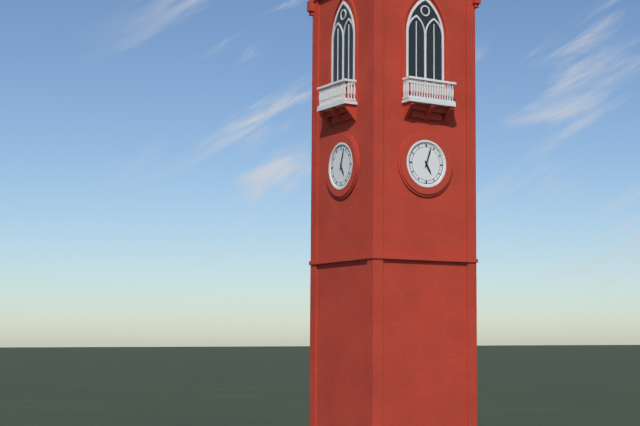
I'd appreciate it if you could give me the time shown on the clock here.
5:03
